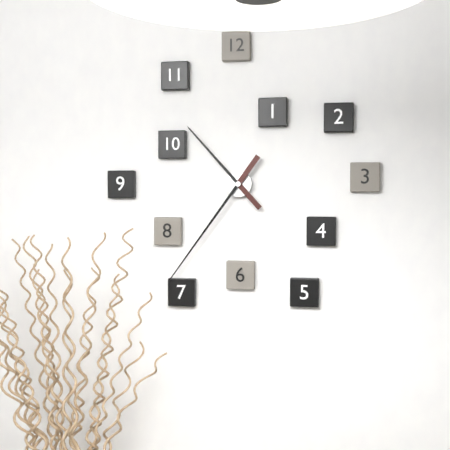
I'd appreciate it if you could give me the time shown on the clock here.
10:36
